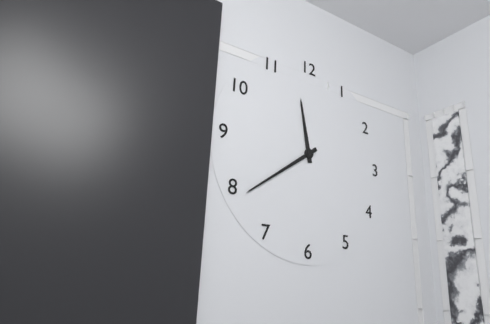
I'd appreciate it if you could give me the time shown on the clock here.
11:39
